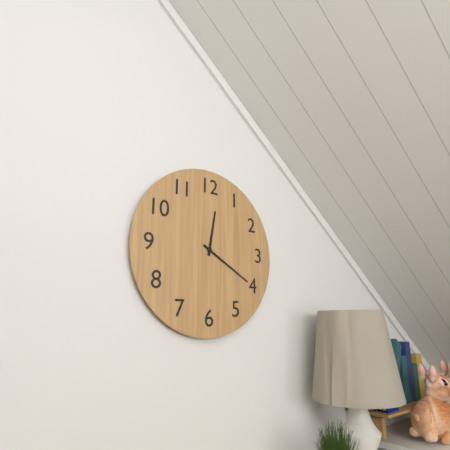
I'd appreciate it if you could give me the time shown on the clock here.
12:20
